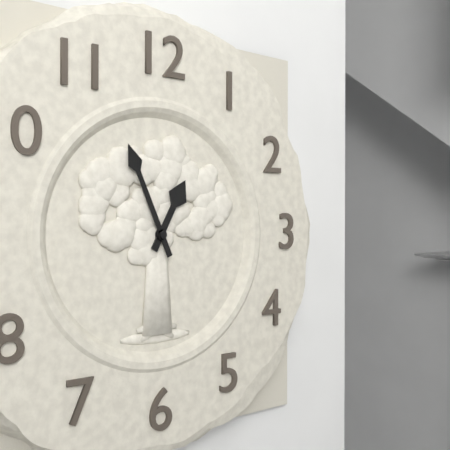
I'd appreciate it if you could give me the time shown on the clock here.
12:56
